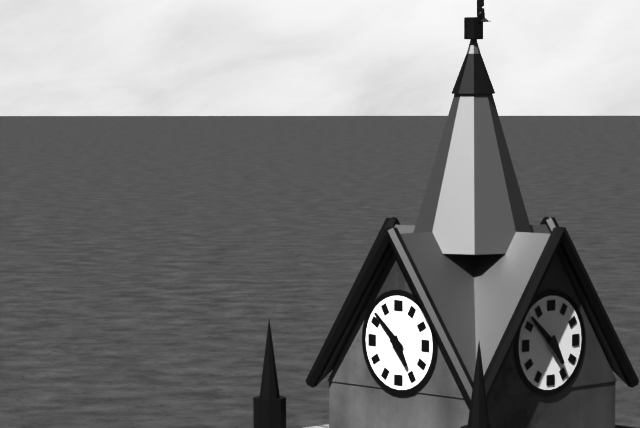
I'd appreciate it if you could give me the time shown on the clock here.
4:52
